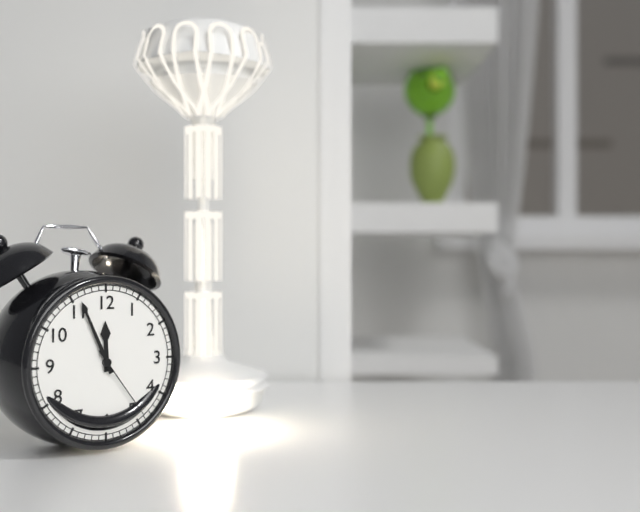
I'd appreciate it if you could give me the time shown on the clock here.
11:56:24
